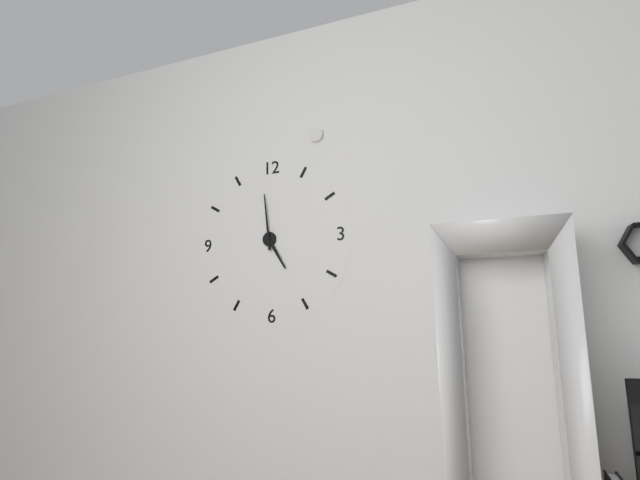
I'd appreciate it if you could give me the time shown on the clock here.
4:59
